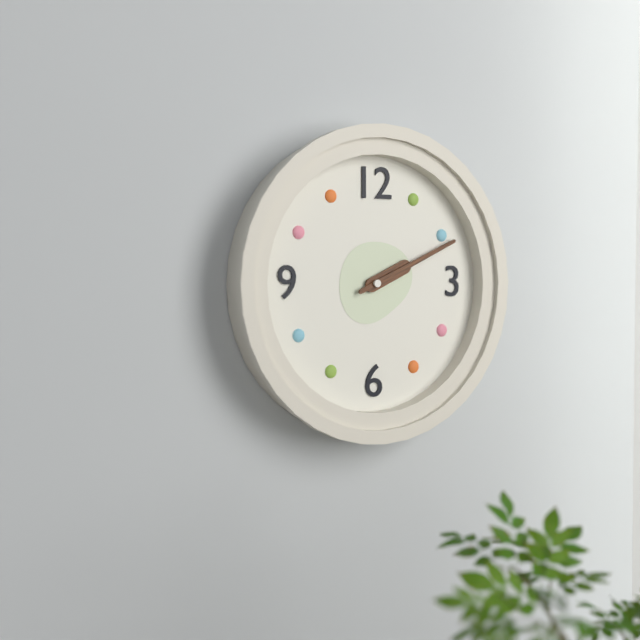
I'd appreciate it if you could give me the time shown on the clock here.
2:11
